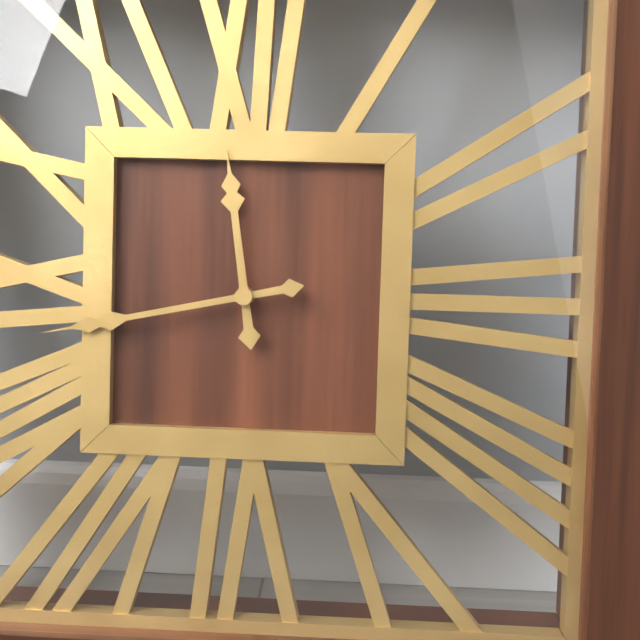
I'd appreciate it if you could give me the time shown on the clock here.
11:43
